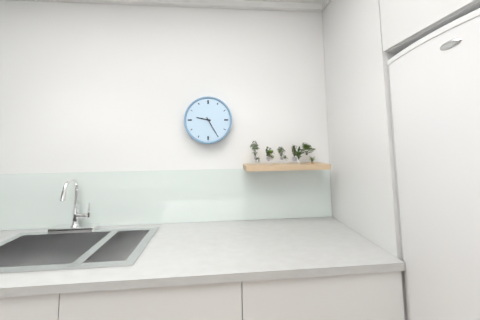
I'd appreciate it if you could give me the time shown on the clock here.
9:25
